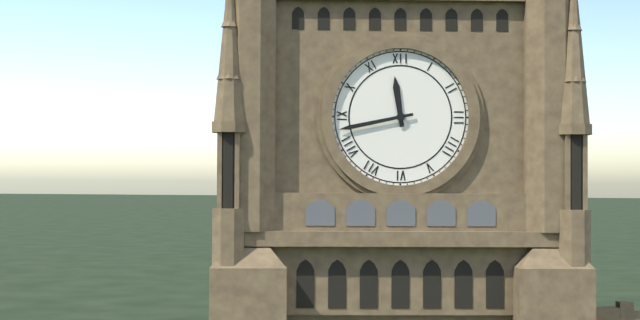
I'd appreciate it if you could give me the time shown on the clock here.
11:43
